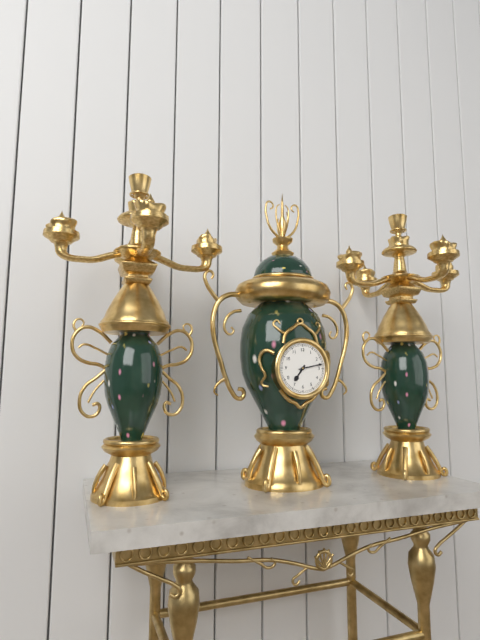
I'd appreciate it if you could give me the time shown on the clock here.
7:13
